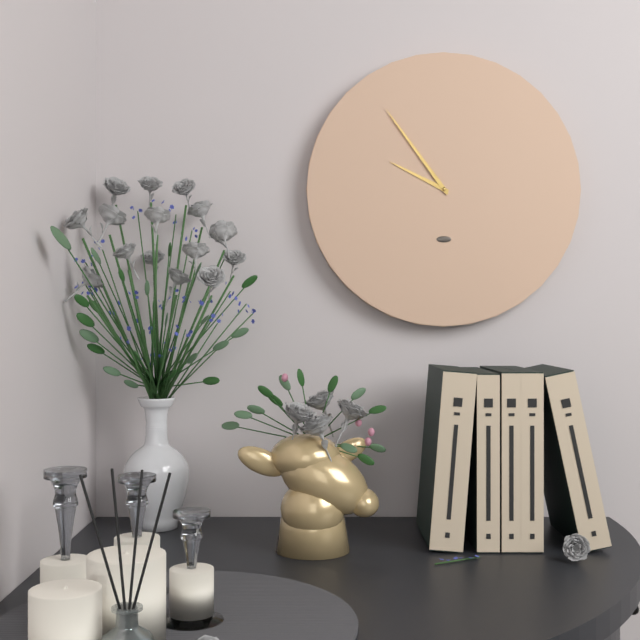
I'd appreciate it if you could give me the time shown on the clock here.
9:54
